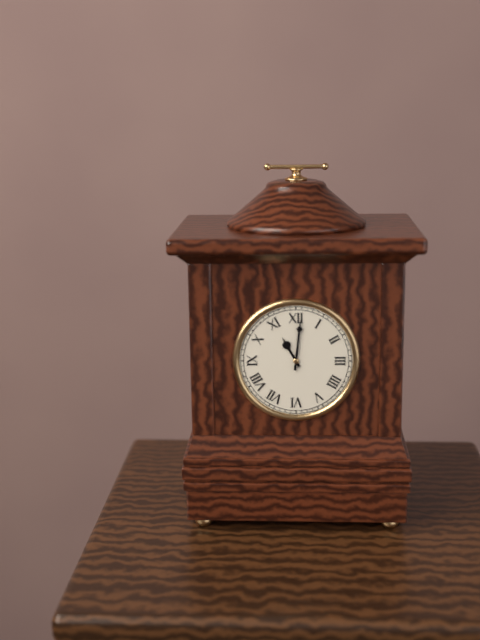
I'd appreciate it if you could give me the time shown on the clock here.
11:01
